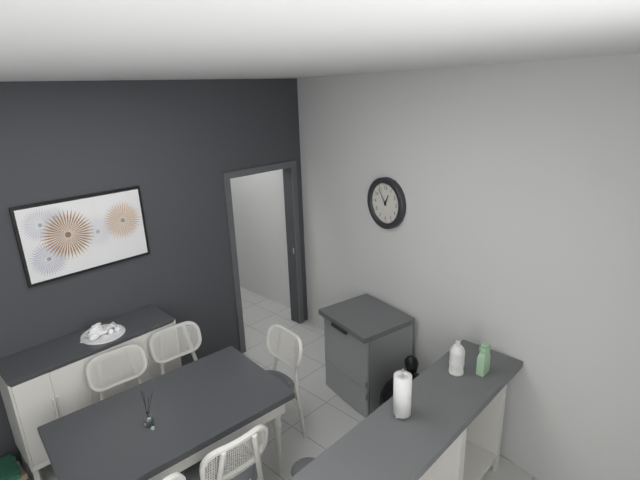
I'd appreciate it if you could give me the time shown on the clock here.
12:54
